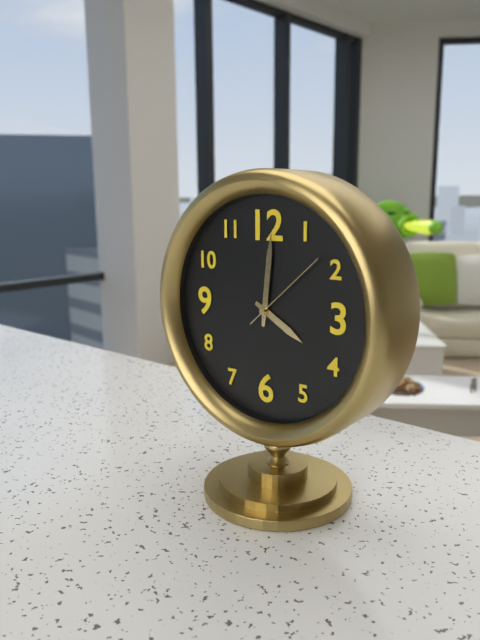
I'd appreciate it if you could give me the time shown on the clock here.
4:01:08
